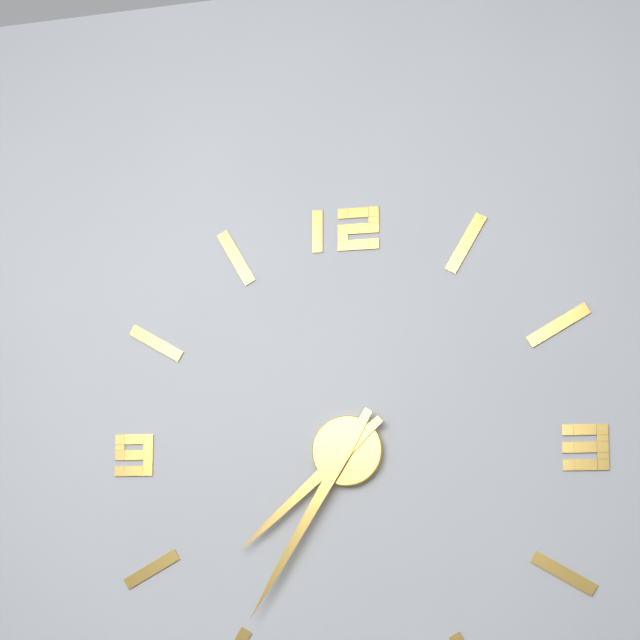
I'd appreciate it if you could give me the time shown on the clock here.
7:35
